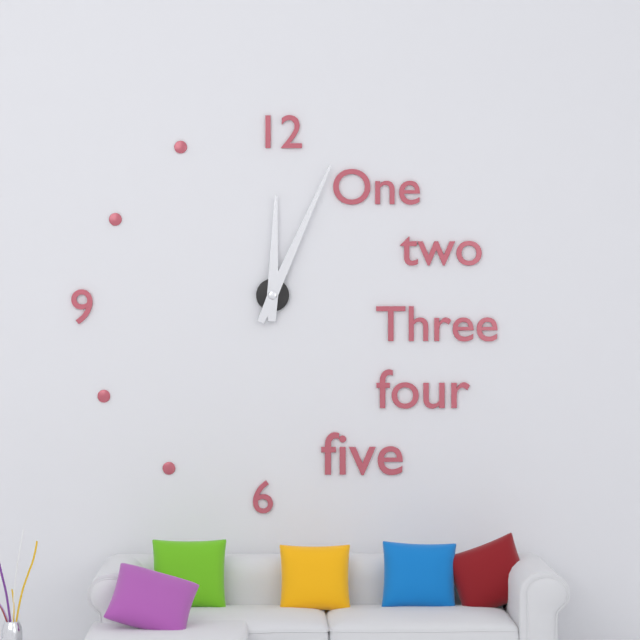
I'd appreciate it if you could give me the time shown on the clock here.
12:04
